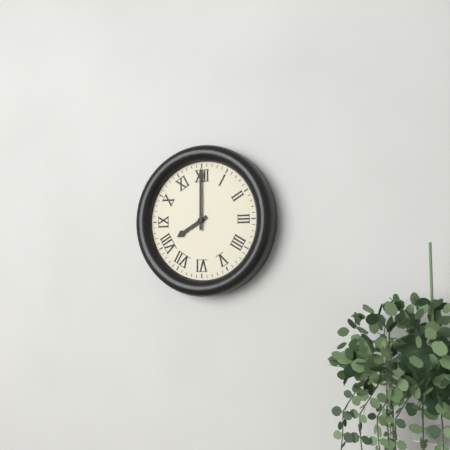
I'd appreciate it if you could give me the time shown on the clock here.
8:00
